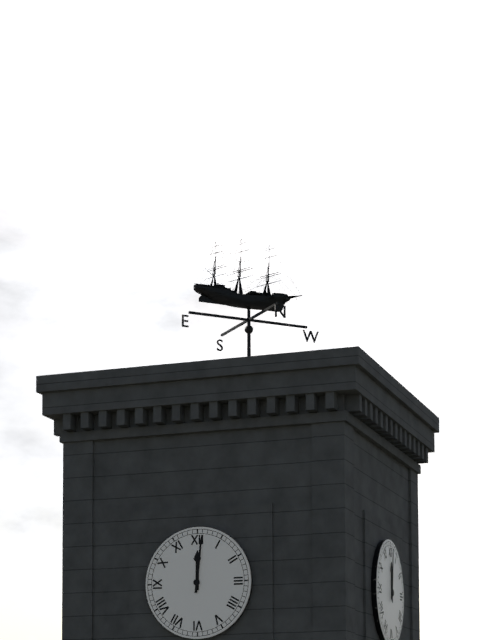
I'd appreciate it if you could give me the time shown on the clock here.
12:01
